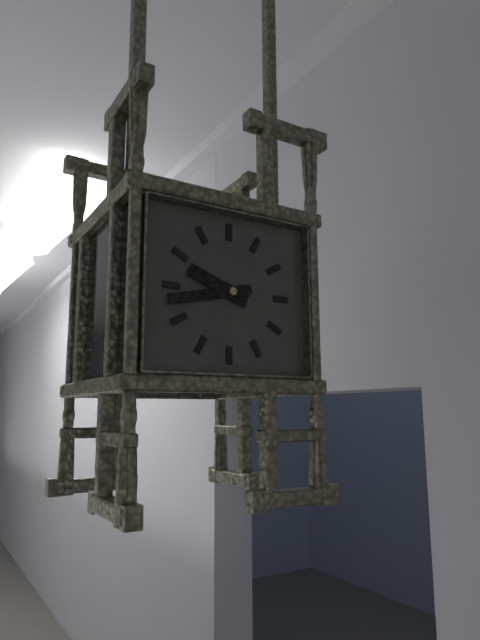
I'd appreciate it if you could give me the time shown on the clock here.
9:43
